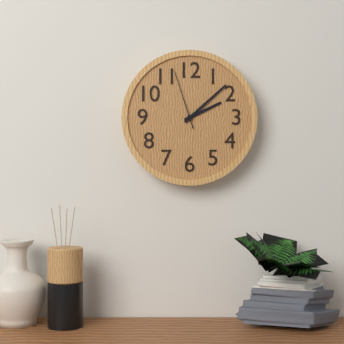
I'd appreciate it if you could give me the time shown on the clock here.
2:08:57
